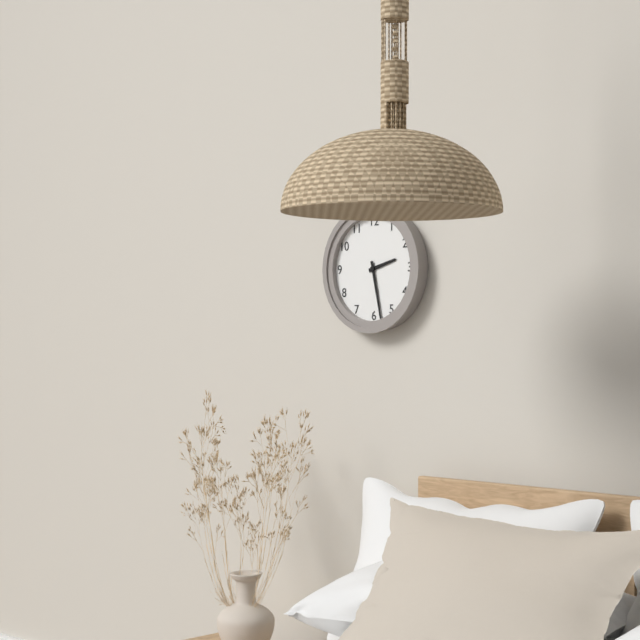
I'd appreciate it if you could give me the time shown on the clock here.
2:28
